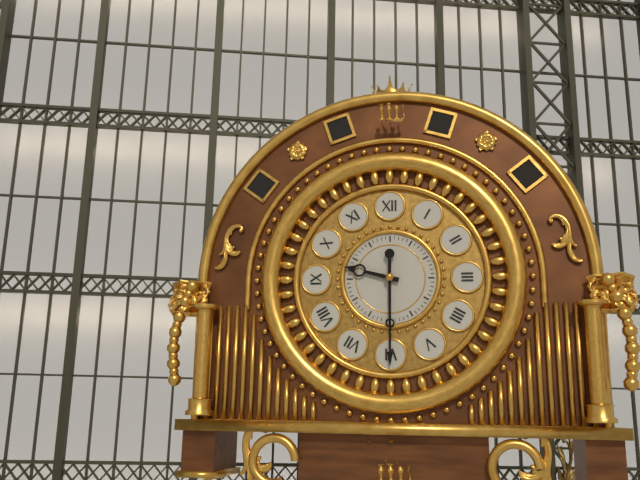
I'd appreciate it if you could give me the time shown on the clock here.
9:30
